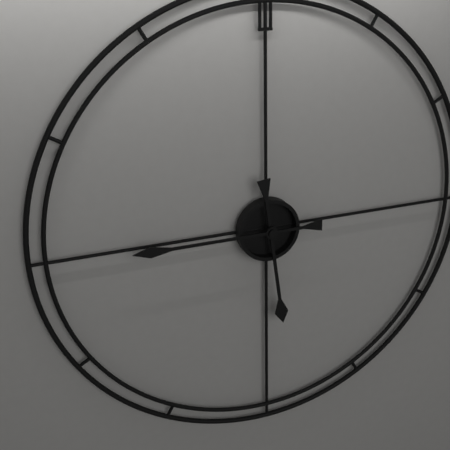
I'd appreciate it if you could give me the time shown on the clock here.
5:45
